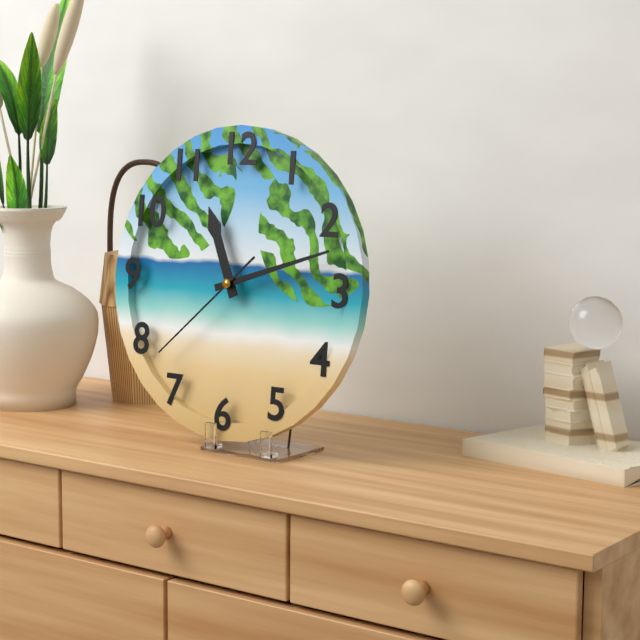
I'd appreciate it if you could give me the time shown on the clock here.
11:12:38
